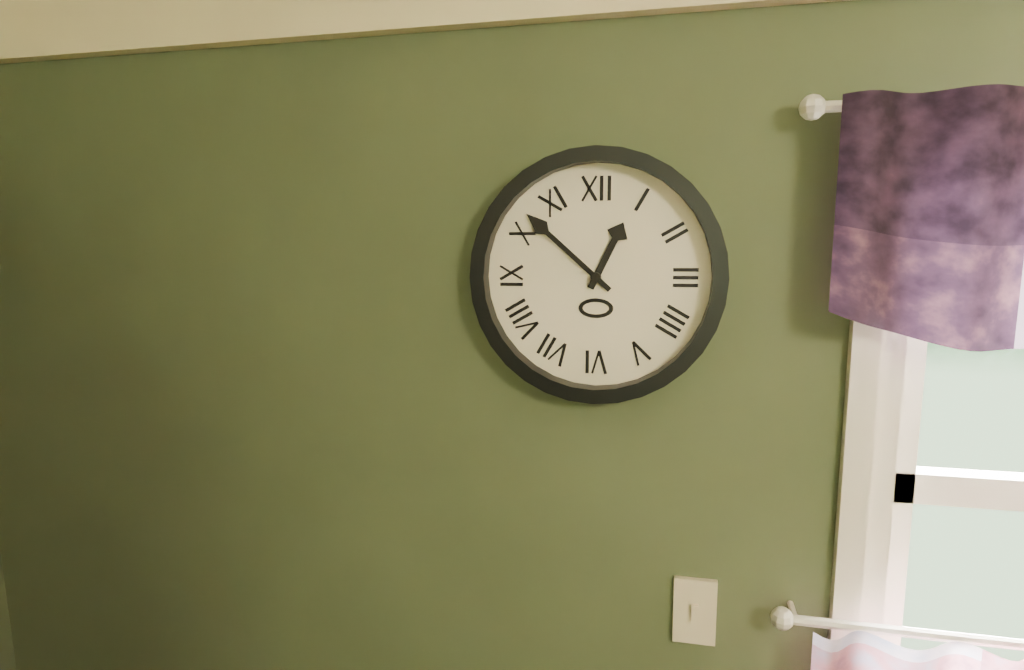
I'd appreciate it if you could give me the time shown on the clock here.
12:52
